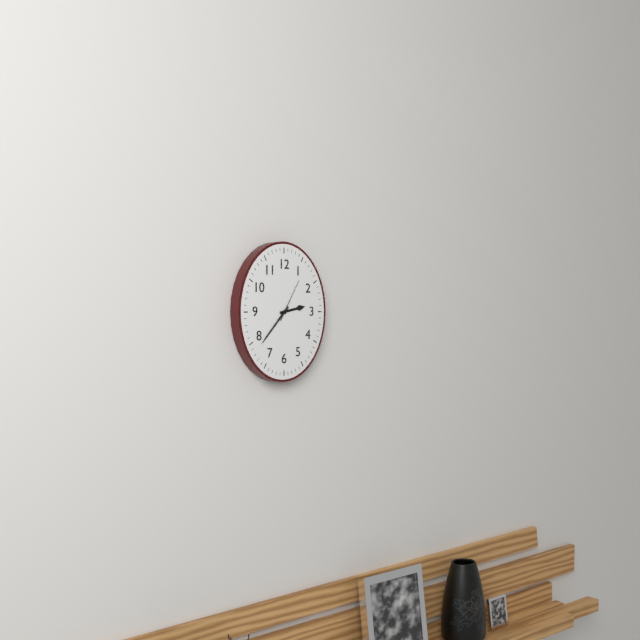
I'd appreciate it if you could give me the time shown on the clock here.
2:37
